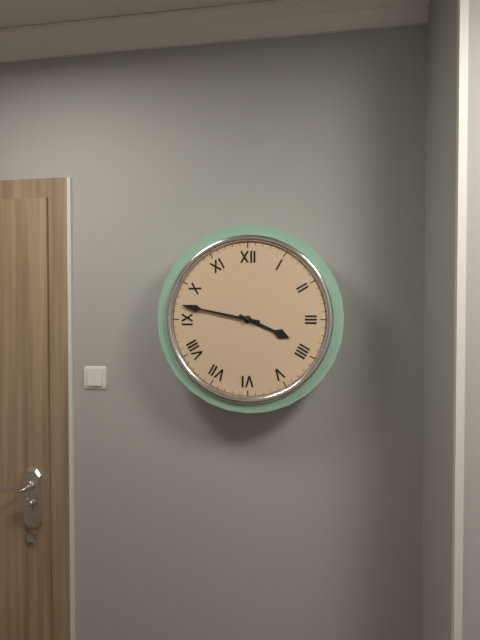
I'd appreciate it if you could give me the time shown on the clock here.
3:47
